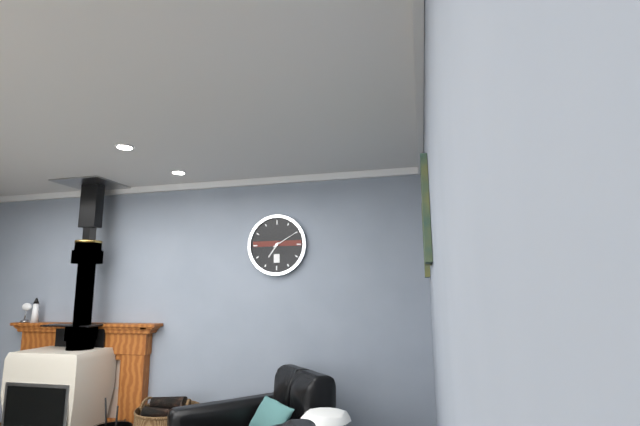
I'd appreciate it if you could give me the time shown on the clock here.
7:10
